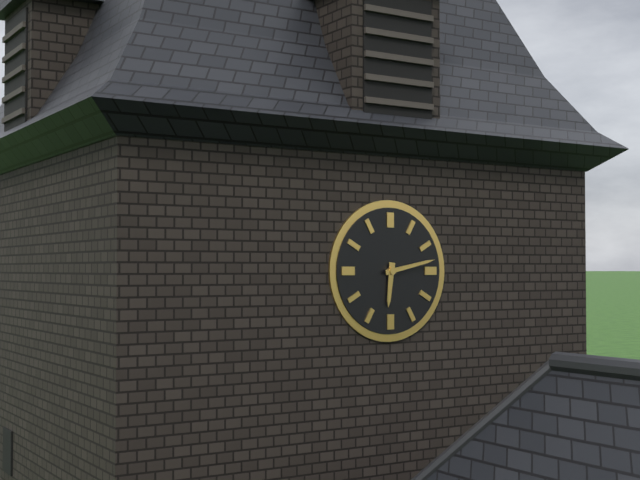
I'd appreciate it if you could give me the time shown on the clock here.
6:13
